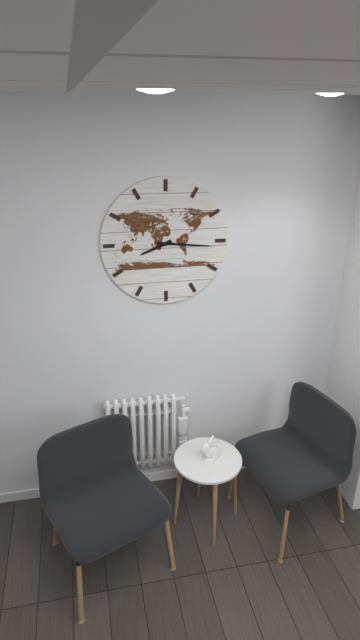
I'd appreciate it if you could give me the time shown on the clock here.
8:16
